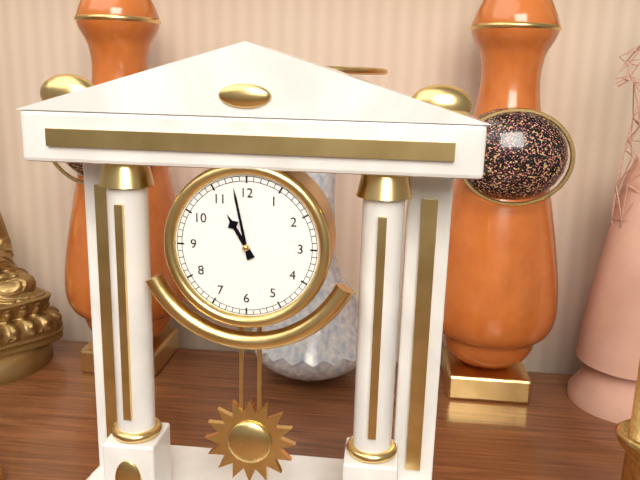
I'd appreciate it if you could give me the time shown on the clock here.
10:58
